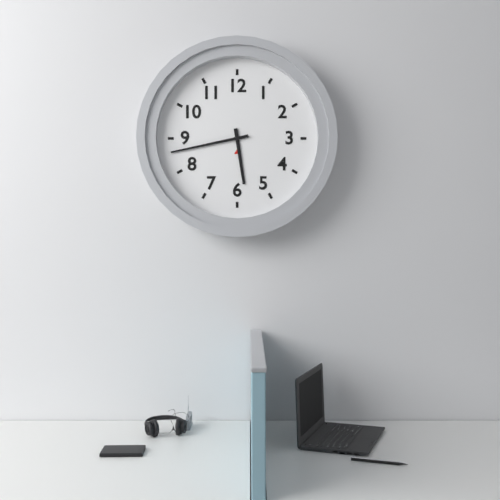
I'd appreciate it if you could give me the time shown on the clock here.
5:43
